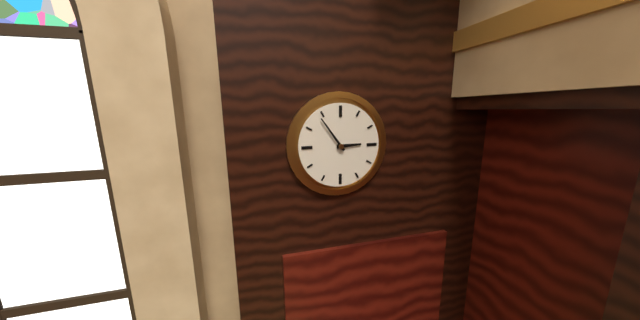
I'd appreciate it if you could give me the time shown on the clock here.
2:54
